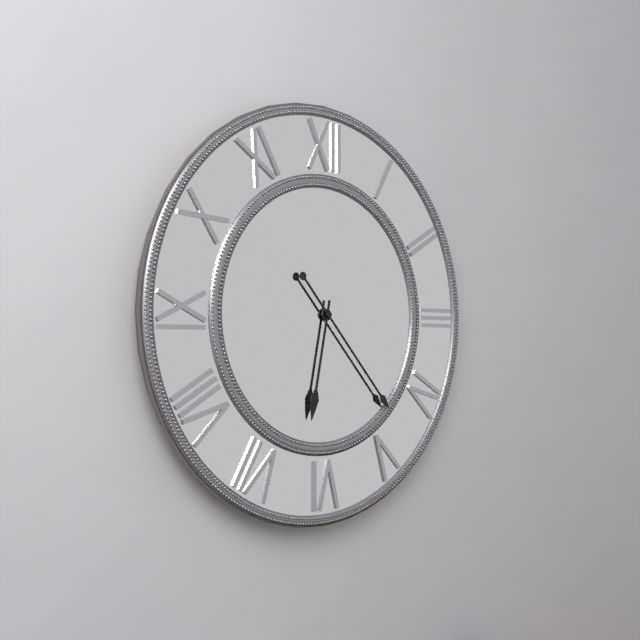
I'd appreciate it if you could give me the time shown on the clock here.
6:23
